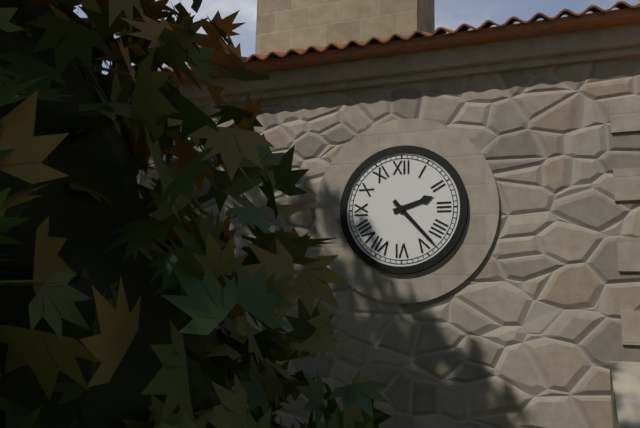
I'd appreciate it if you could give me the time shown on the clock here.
2:23
